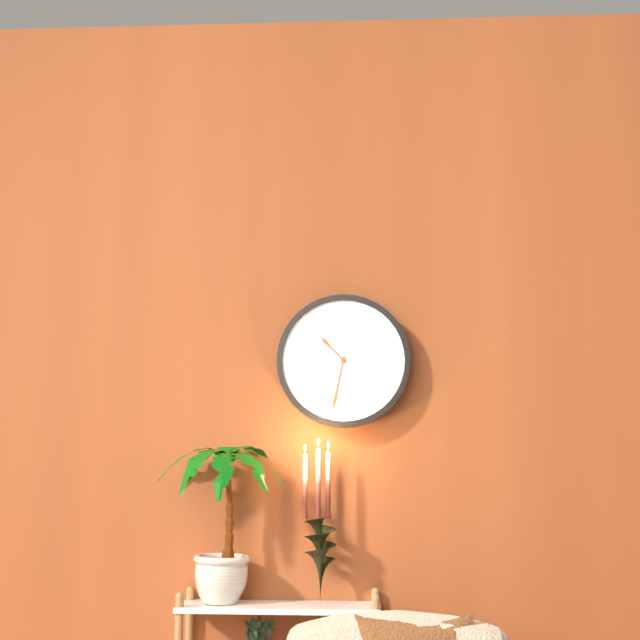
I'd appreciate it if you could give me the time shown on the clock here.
10:32
